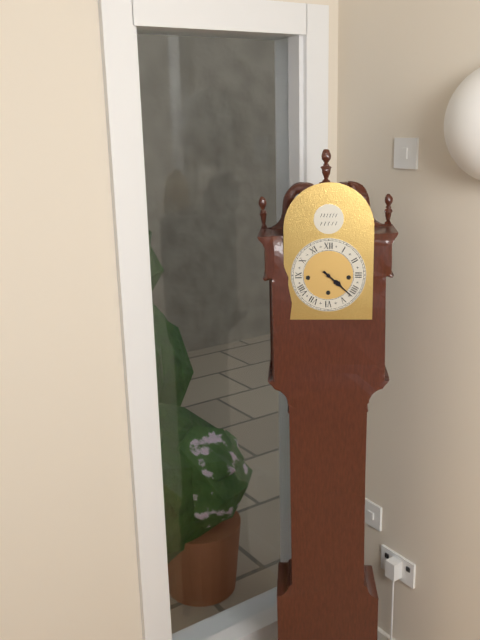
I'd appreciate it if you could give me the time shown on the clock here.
4:22
